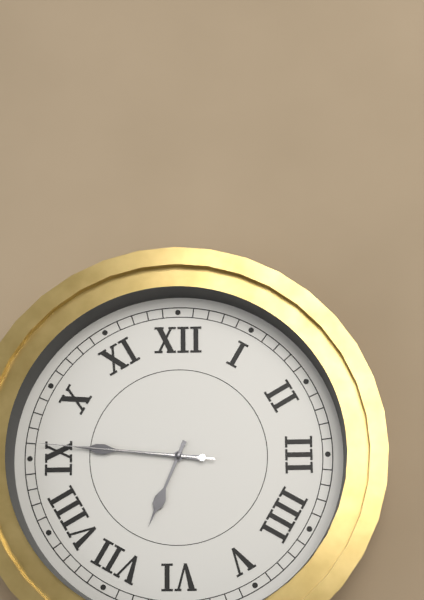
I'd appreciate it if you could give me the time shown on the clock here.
6:46:46
